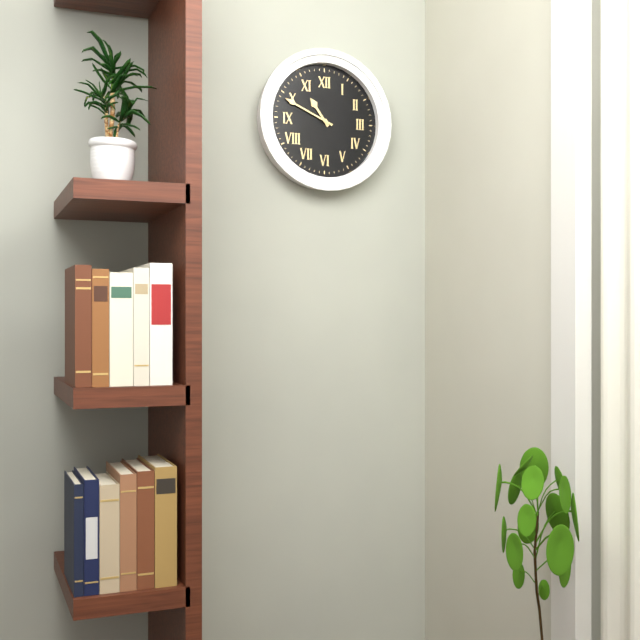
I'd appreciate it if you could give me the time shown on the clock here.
10:49
